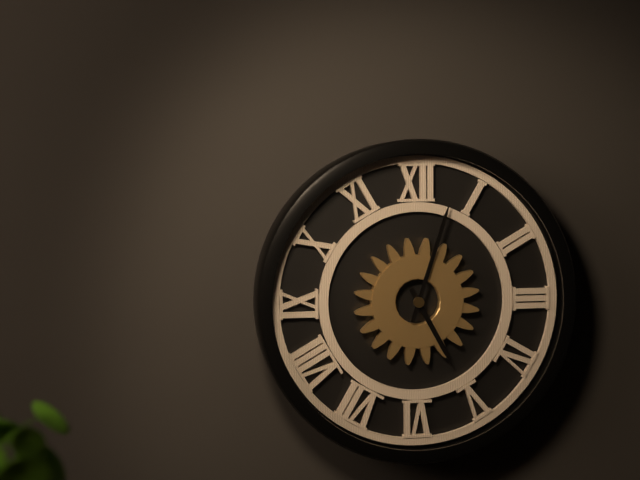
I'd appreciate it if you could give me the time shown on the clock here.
5:03
